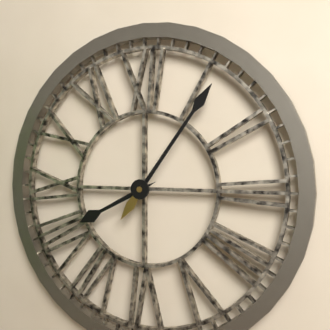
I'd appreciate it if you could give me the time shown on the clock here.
8:06
